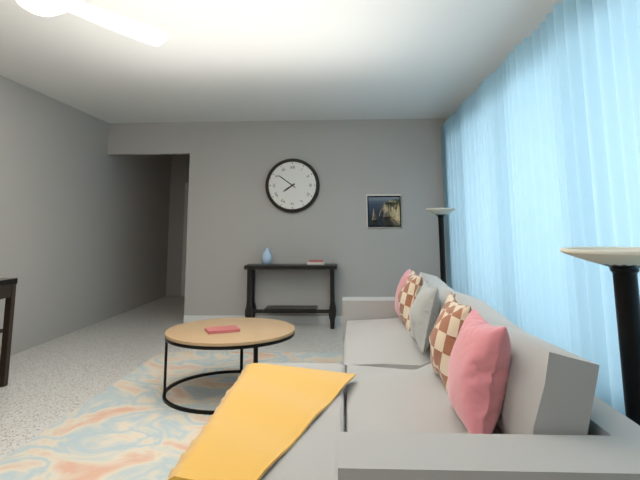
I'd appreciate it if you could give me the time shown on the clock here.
7:51
